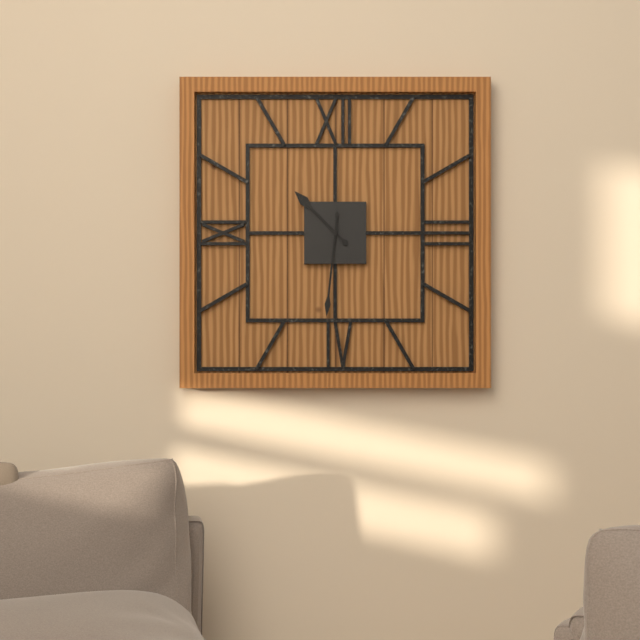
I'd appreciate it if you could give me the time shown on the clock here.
10:31
